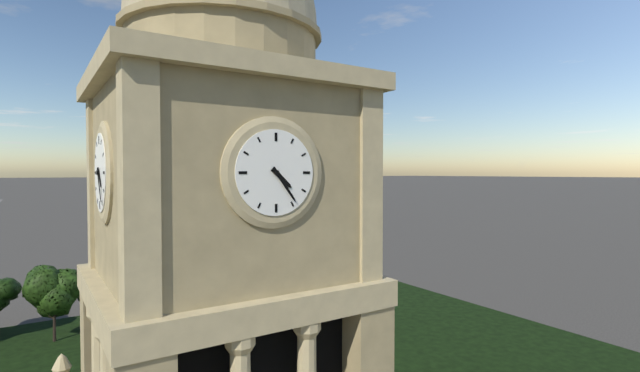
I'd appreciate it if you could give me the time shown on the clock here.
4:24
